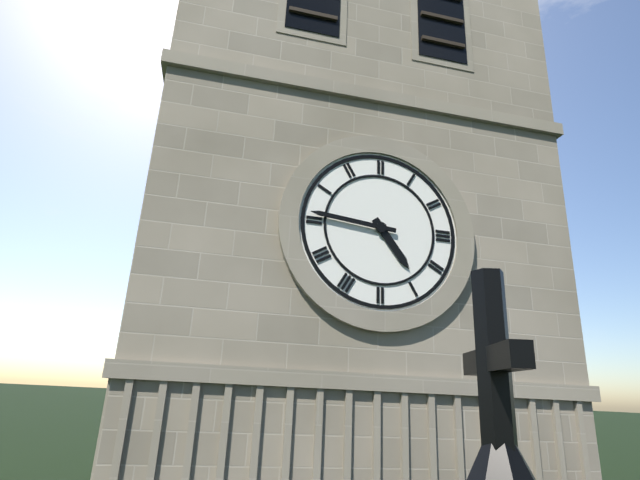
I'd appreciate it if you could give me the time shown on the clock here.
4:46
